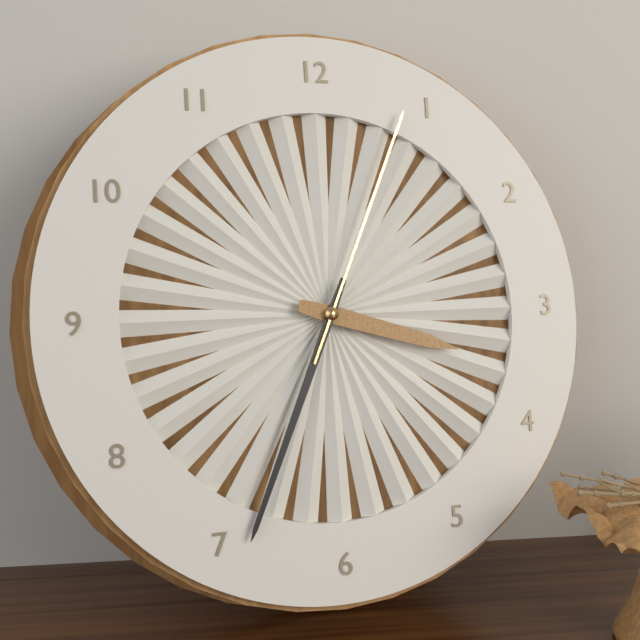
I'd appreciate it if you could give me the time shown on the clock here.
3:34:04
